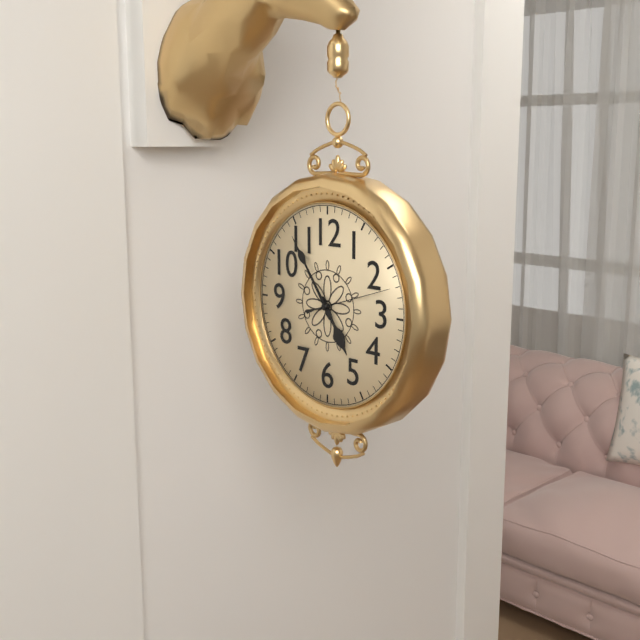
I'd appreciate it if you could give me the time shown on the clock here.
4:54:12
